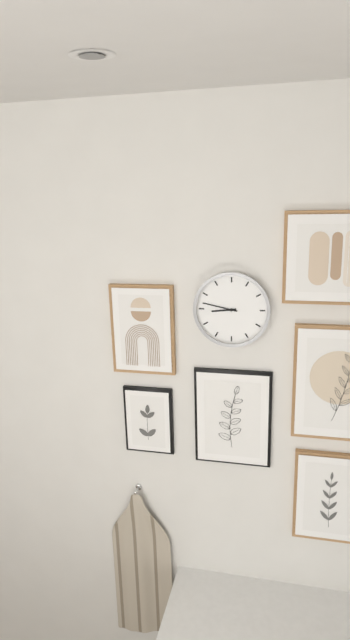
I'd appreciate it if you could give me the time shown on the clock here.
8:47
